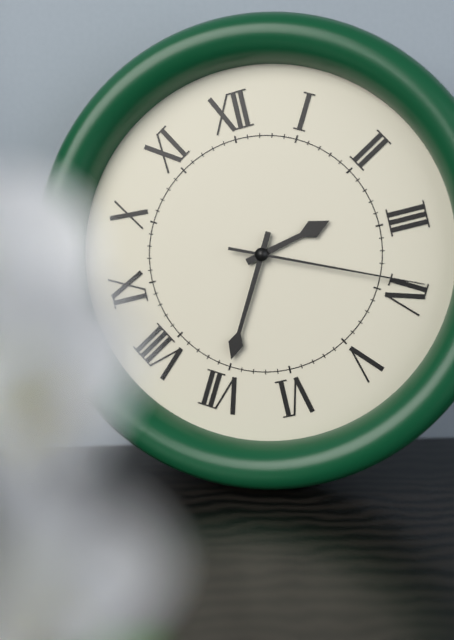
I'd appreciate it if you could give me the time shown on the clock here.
2:35:19
